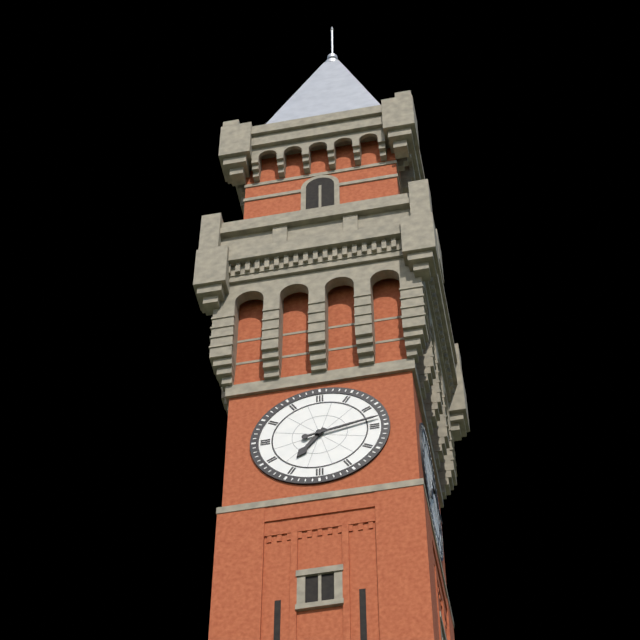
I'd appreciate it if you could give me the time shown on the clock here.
7:13
